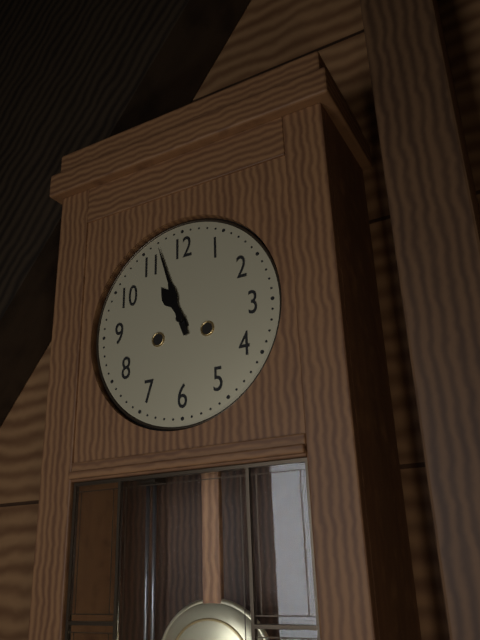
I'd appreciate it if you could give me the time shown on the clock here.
10:57
